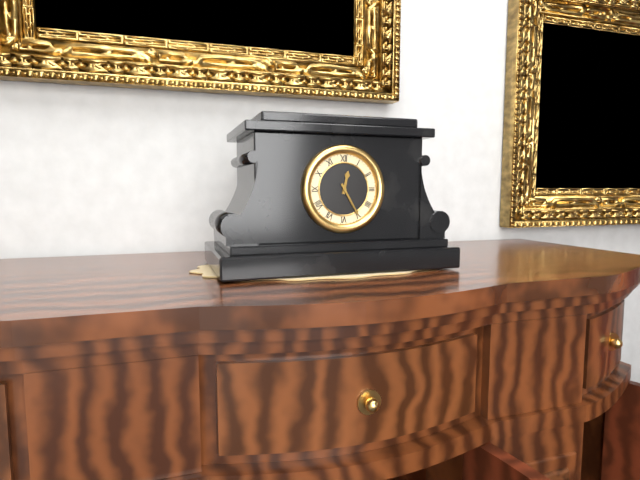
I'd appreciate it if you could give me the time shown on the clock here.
12:25
